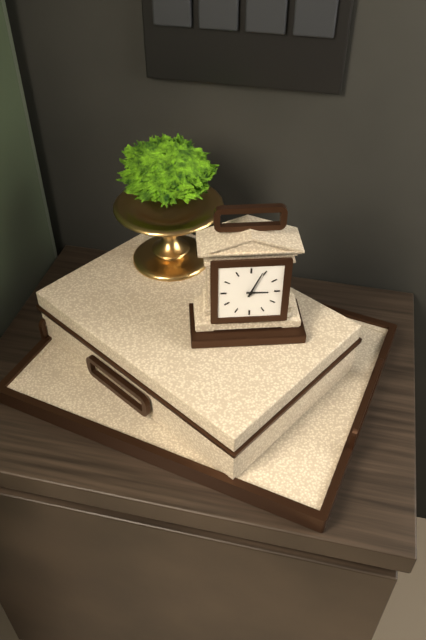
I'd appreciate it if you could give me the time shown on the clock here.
3:04
